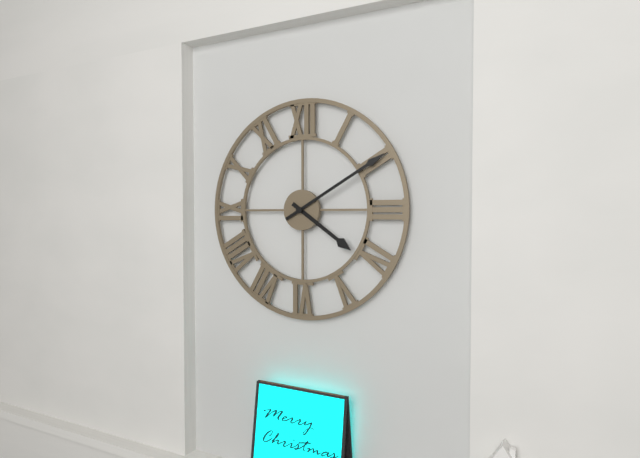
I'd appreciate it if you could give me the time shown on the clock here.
4:10
